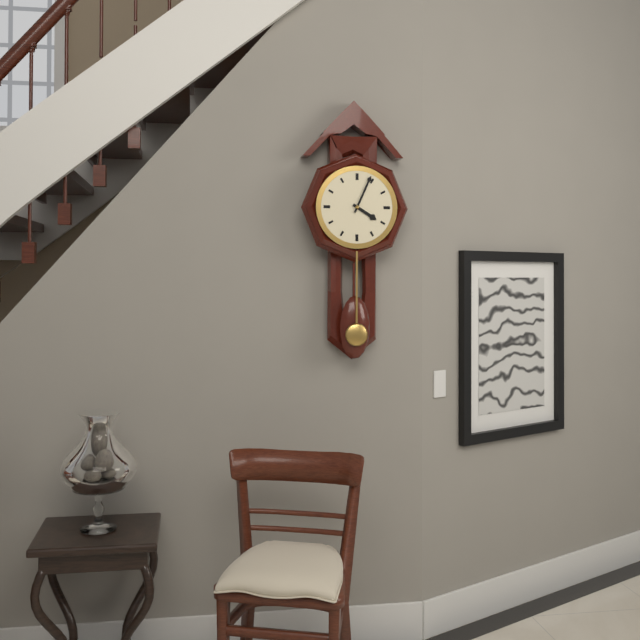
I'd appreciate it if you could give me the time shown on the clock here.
4:04
